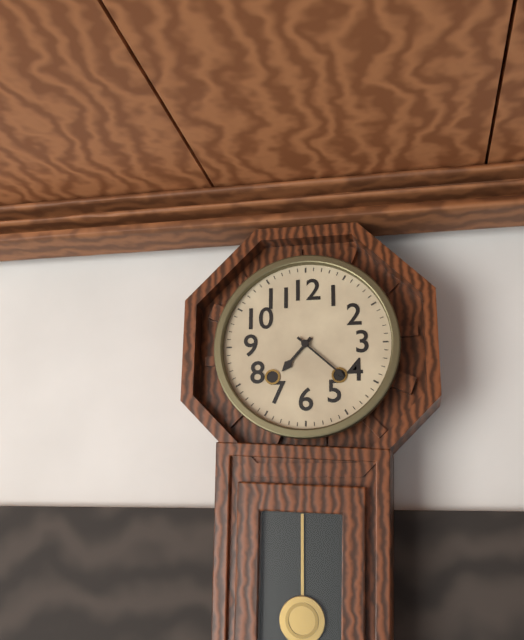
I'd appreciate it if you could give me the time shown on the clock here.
7:22
